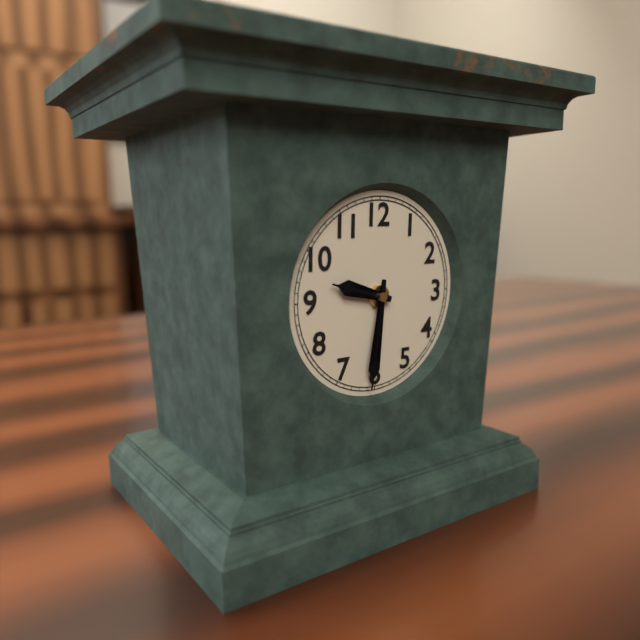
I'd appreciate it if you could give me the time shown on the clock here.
9:31
